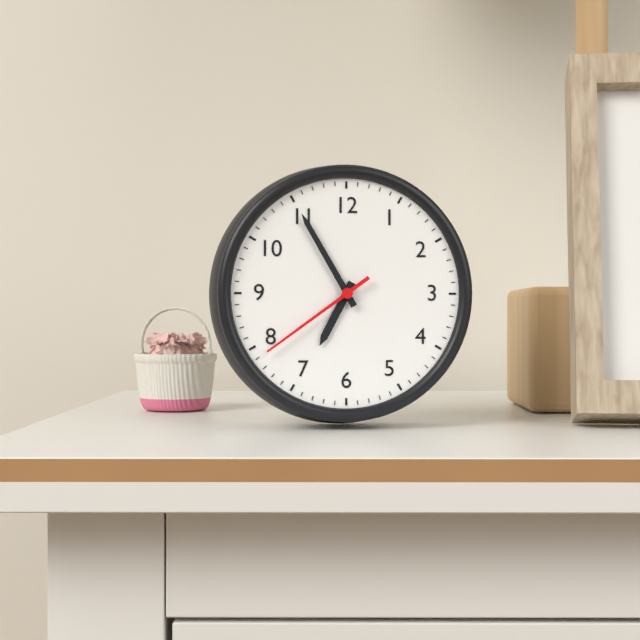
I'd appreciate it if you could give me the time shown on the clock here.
6:55:39
